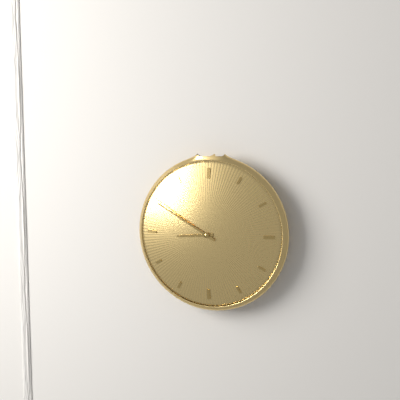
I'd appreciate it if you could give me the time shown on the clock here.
8:50
